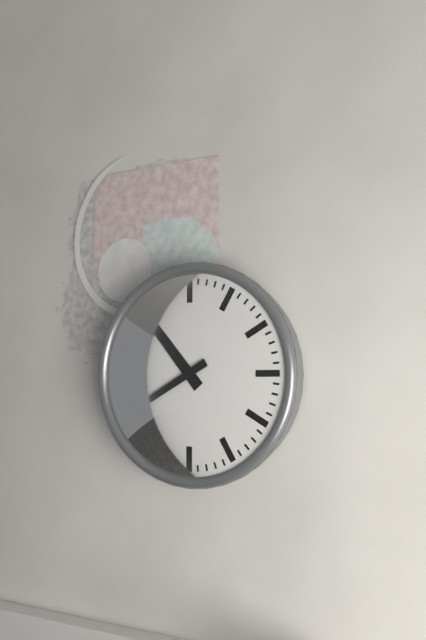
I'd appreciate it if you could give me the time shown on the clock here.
10:40
